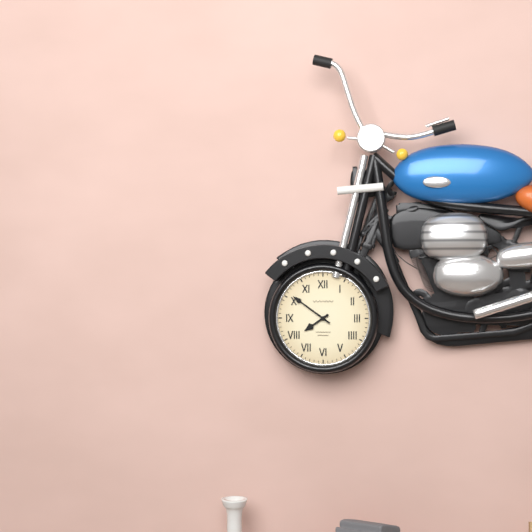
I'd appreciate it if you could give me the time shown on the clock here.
7:51
